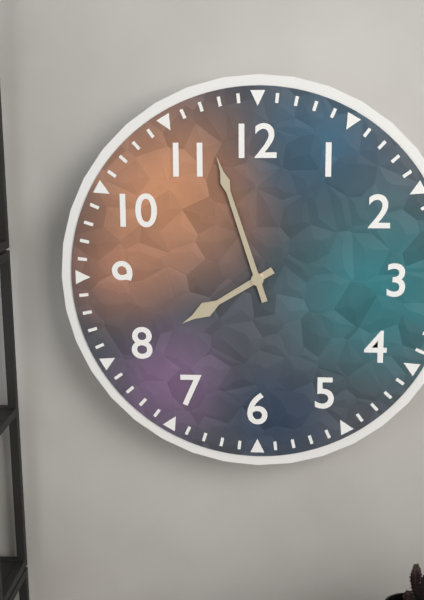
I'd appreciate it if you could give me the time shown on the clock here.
7:57
